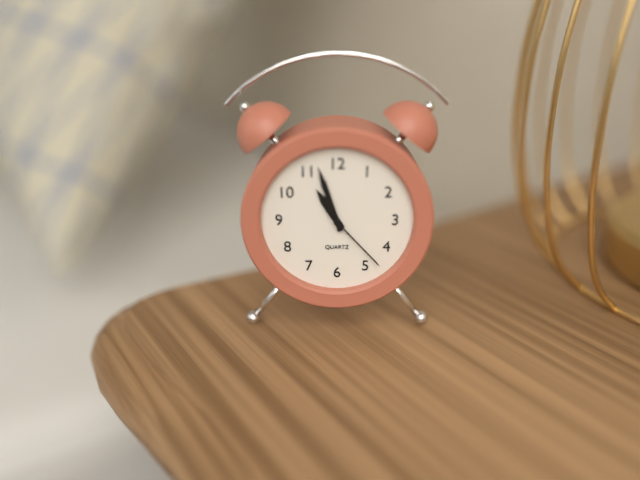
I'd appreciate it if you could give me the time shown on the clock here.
10:57:23
